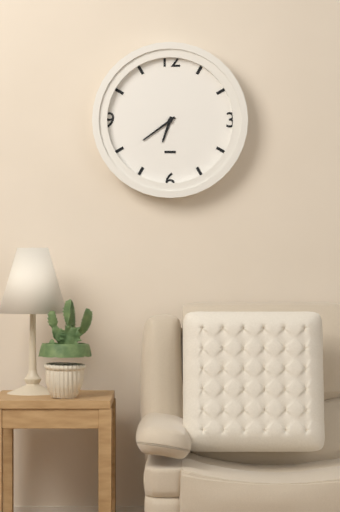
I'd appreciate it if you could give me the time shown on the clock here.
6:39
